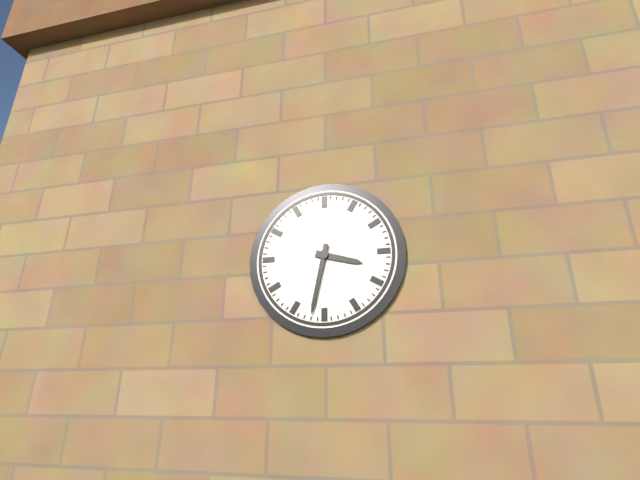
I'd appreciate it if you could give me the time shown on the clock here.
3:32
